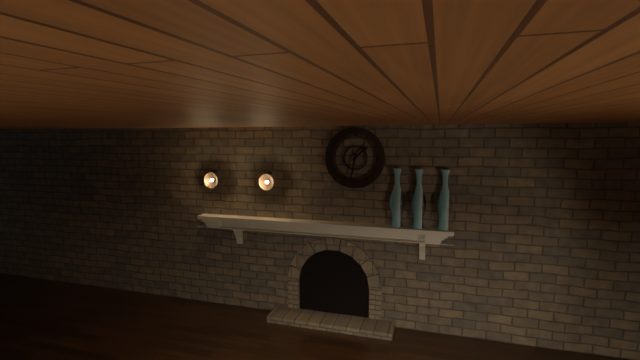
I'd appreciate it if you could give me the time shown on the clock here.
1:32
